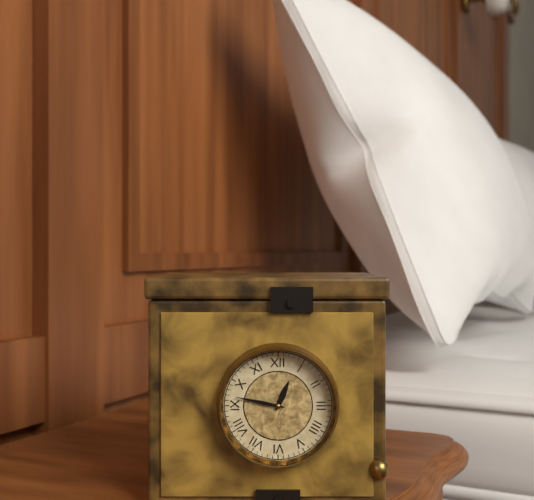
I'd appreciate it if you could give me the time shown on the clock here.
12:47
